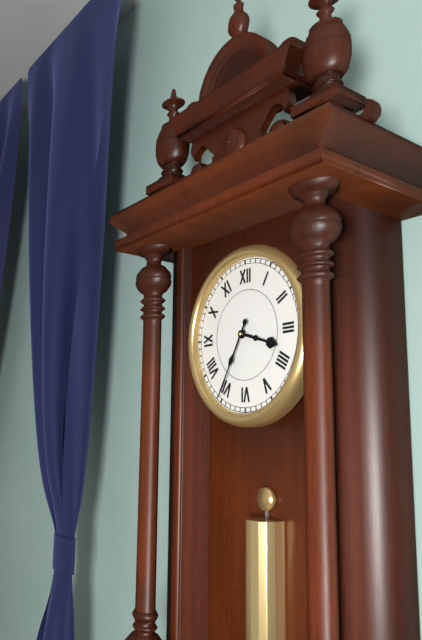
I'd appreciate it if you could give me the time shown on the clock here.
3:35
